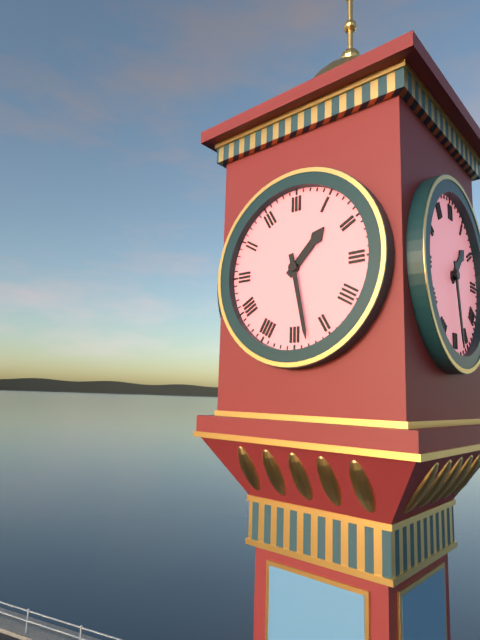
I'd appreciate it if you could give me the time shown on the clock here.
1:28
